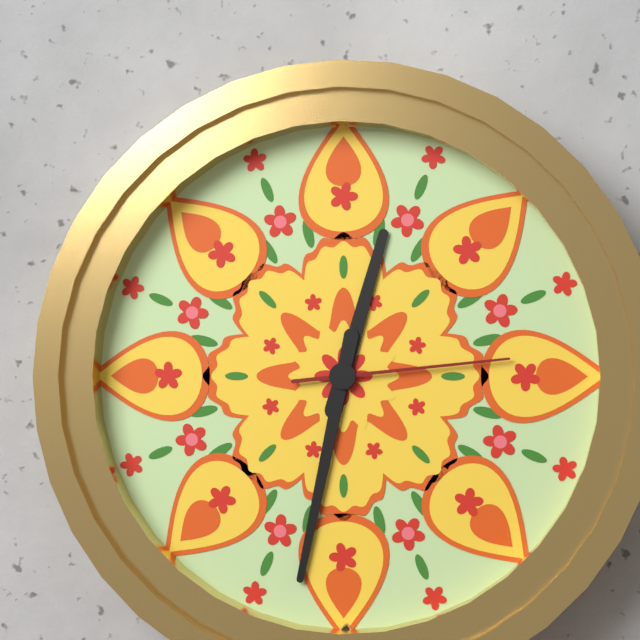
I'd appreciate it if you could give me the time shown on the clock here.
12:32:14
